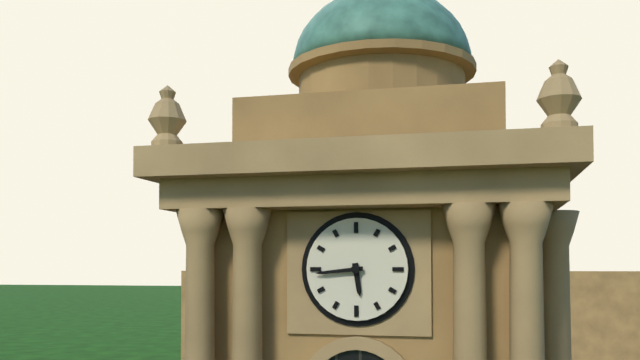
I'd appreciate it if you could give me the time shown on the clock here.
5:44
